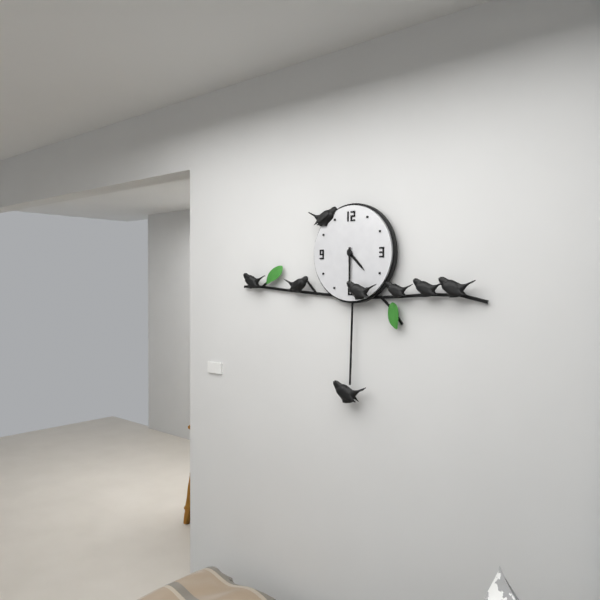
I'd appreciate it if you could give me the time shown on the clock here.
4:30
